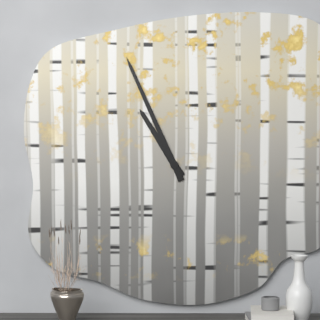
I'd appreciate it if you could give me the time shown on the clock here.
10:56
